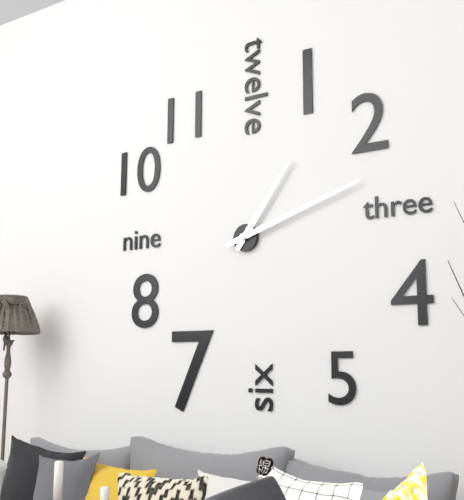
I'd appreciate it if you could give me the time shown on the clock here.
1:12
